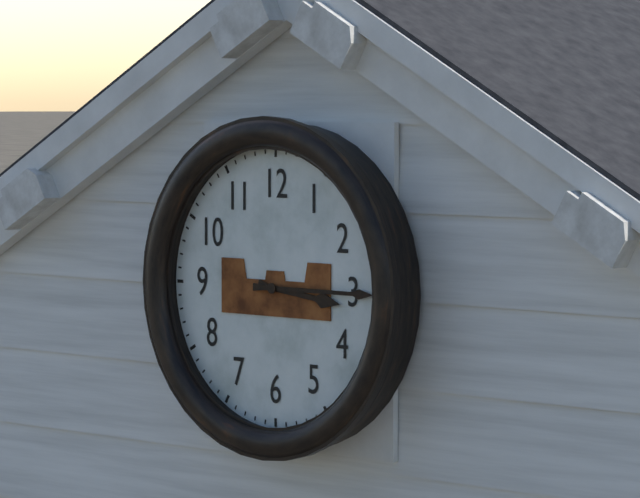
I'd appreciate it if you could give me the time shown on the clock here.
3:15
